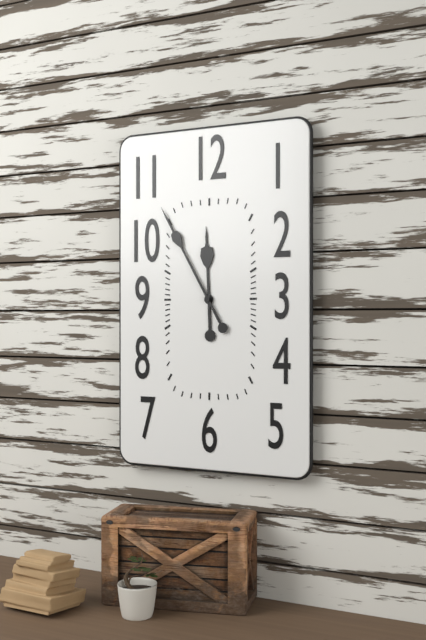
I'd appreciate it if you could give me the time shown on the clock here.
11:55
